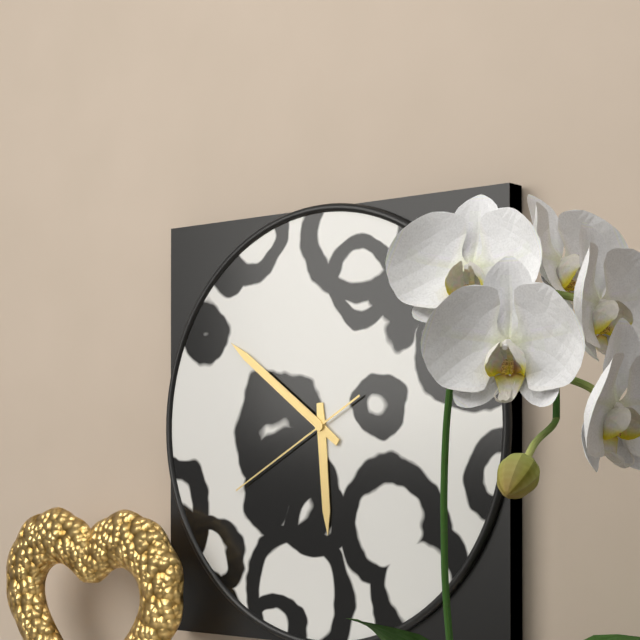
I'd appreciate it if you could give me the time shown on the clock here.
5:51:40
